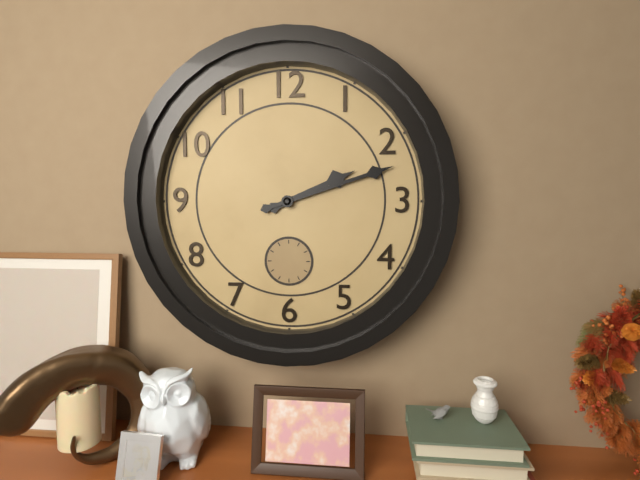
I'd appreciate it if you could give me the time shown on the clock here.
2:12
